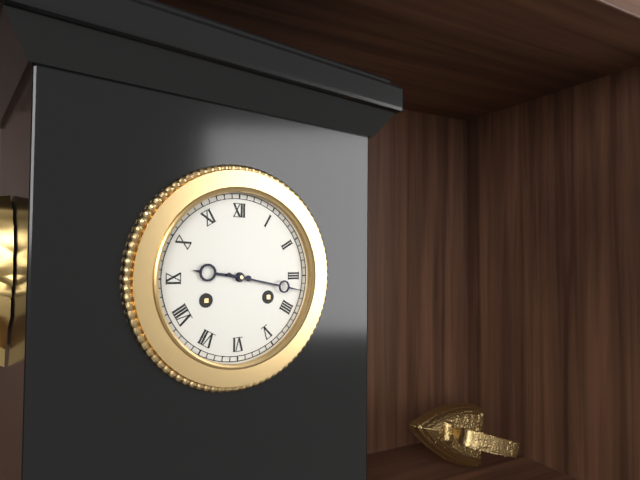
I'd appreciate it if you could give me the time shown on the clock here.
9:17
